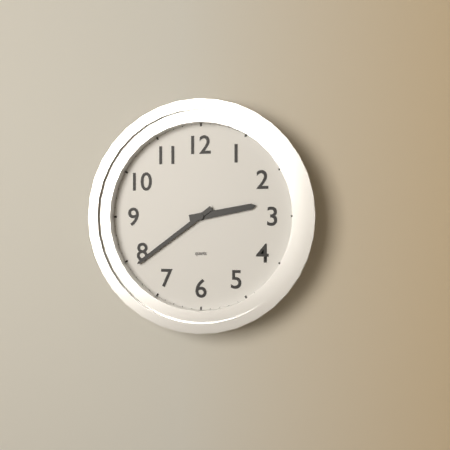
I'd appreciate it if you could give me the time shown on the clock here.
2:39
